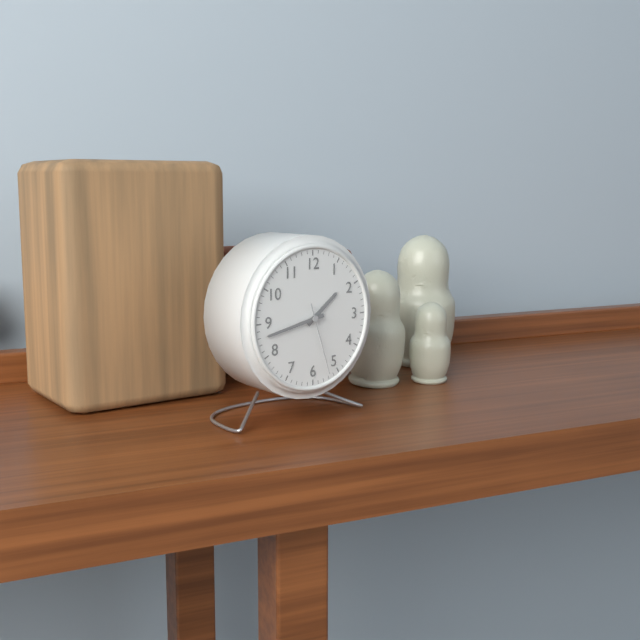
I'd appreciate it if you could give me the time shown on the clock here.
1:43:27
